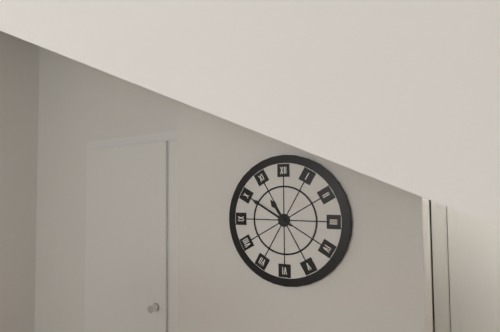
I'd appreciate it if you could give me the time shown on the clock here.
10:50
